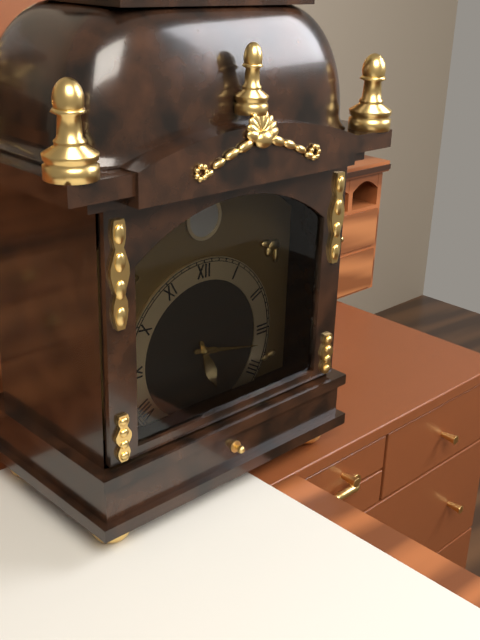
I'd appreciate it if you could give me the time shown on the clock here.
5:17
